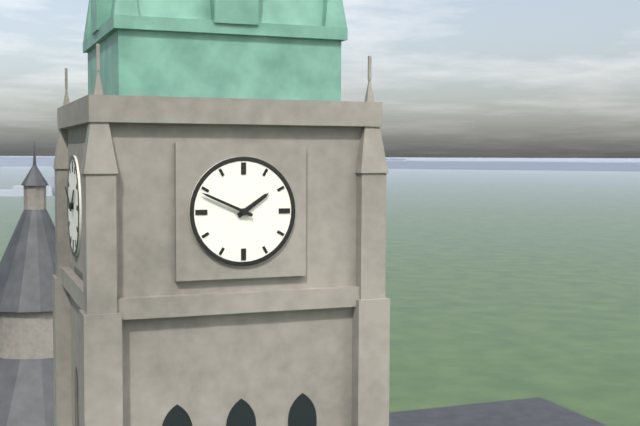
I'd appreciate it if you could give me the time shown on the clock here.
1:49
